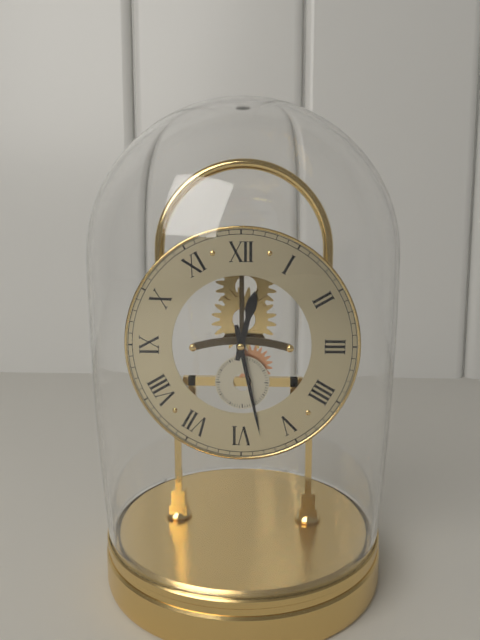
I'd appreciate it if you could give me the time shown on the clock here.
12:28
